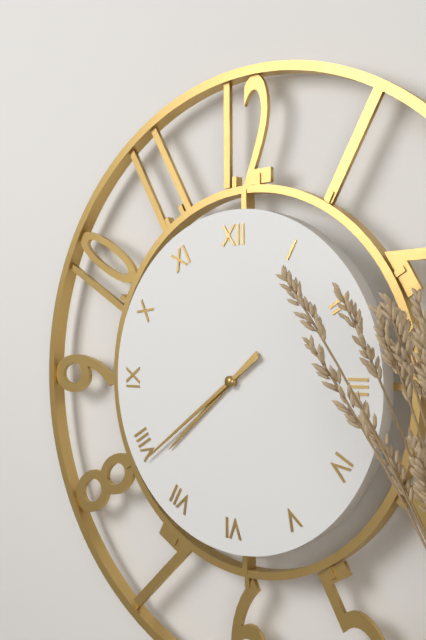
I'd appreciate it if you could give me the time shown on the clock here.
7:39
